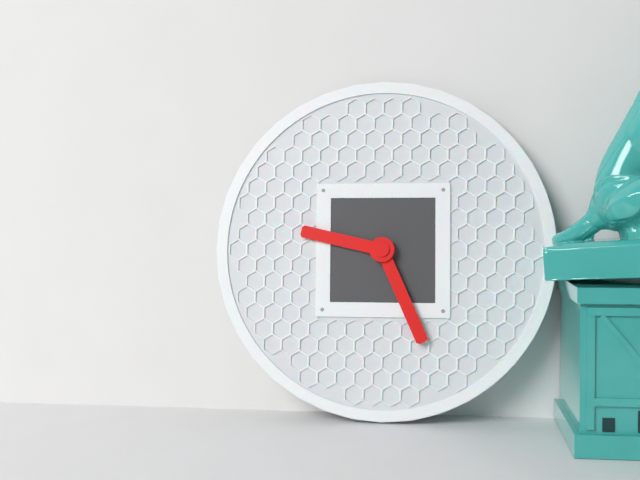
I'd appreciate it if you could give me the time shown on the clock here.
9:26
